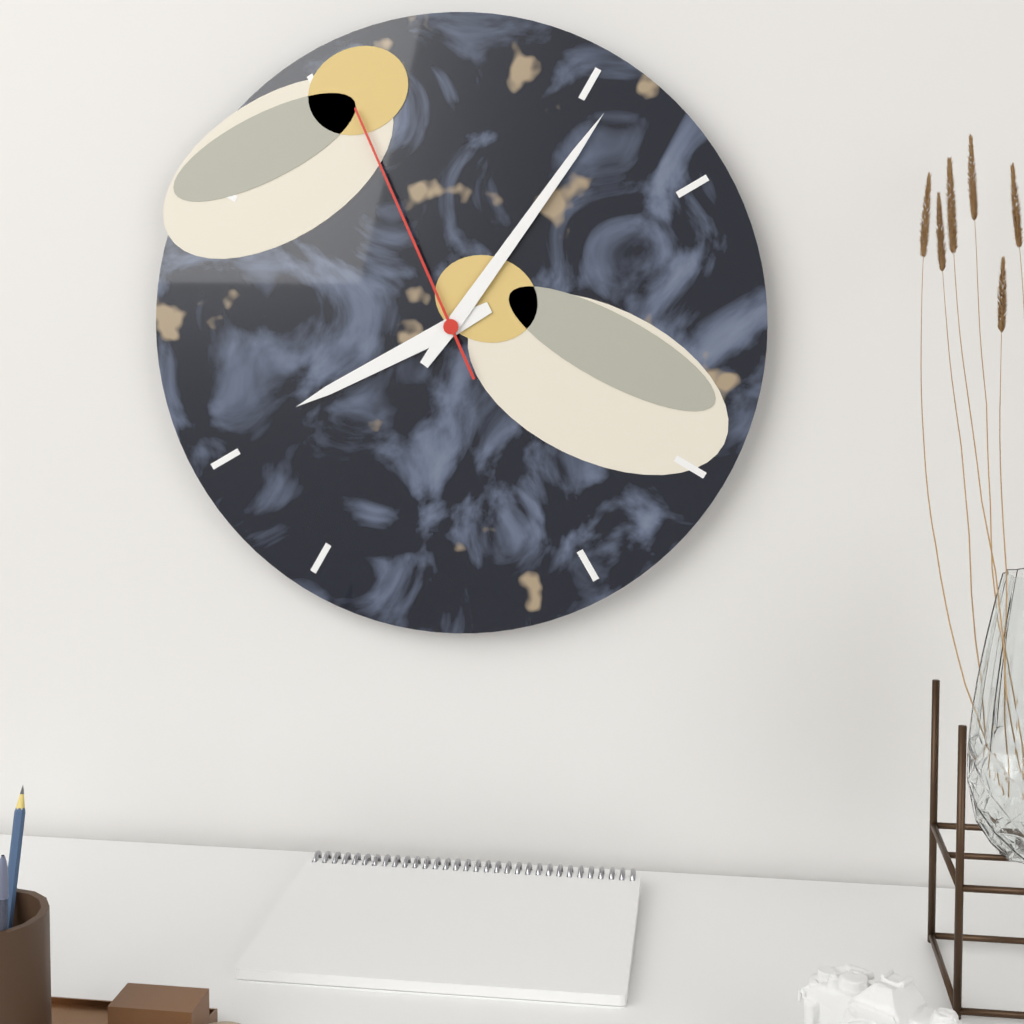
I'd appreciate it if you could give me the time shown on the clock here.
8:06:56
